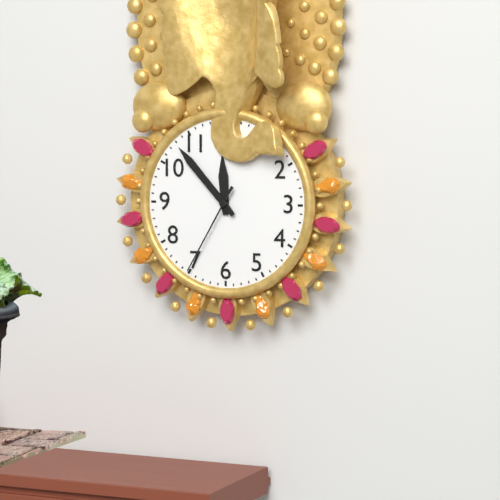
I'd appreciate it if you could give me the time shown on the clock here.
11:53:35
